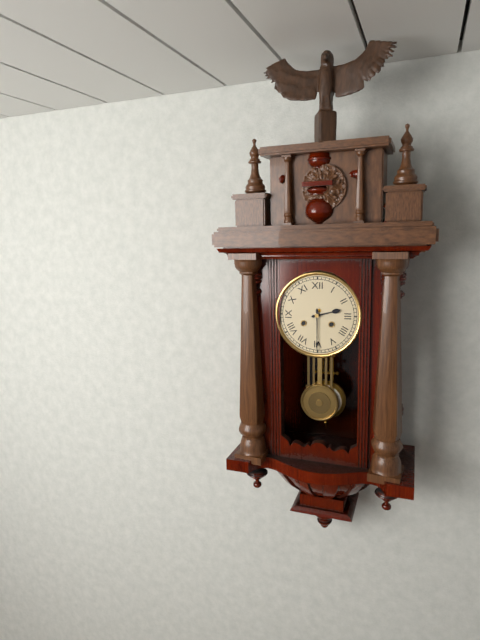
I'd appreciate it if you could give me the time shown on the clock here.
2:30
